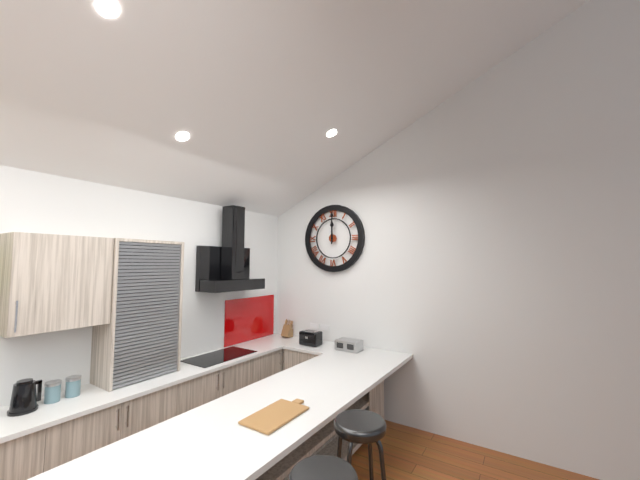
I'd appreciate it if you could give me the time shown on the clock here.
12:00
